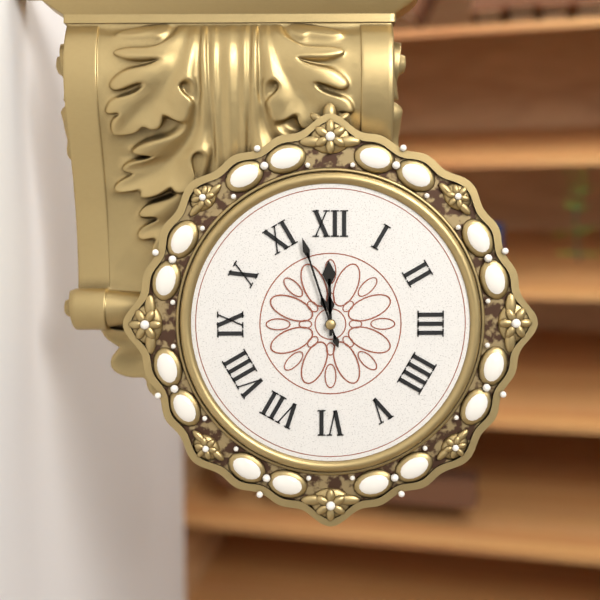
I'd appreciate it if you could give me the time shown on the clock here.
11:57
